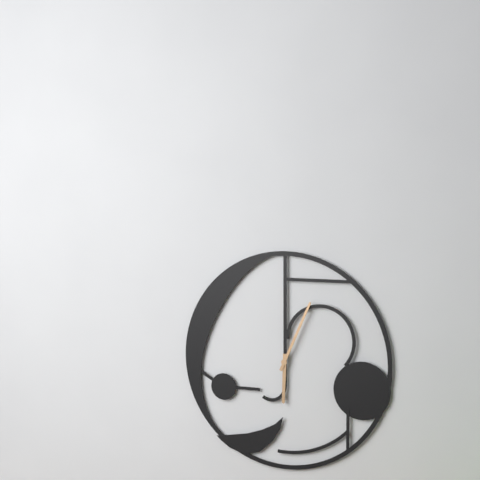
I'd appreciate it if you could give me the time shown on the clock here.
6:04
